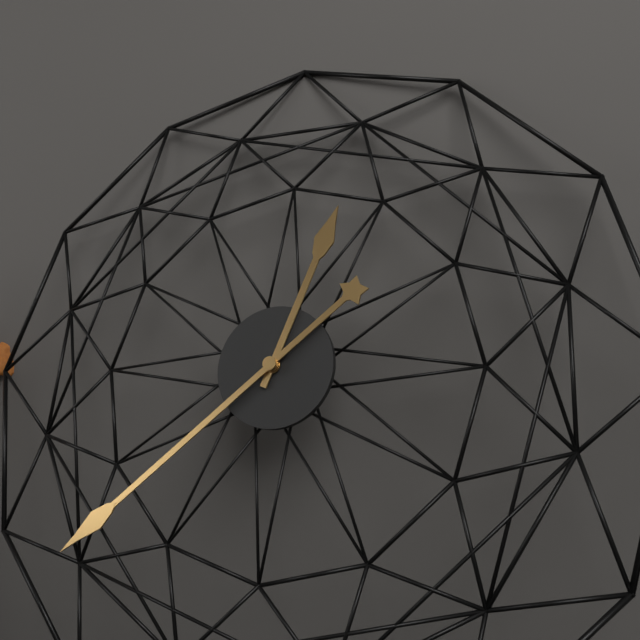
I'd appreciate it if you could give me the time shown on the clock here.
12:38
